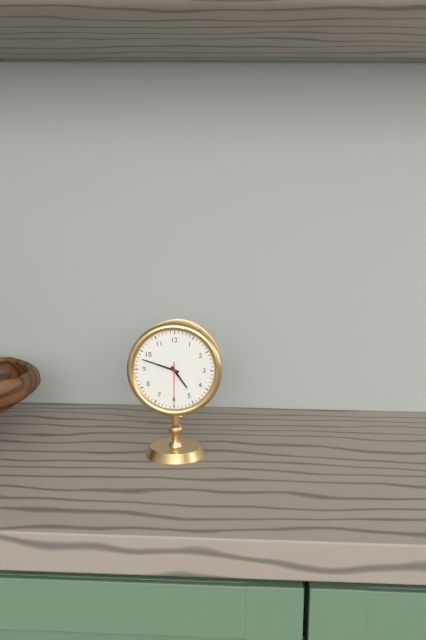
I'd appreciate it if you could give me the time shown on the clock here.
4:48
